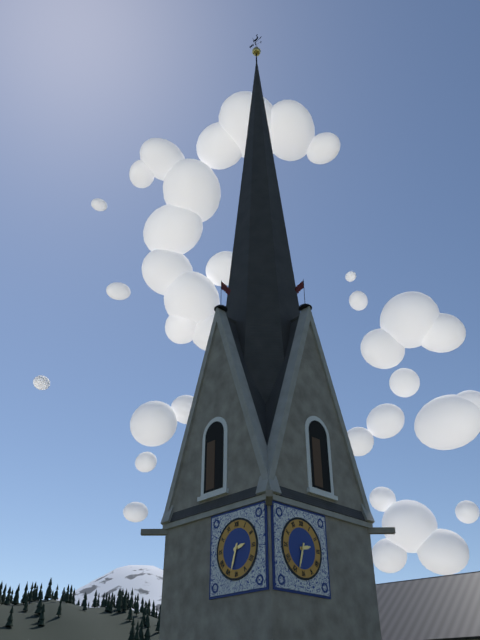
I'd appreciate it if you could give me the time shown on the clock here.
2:33
